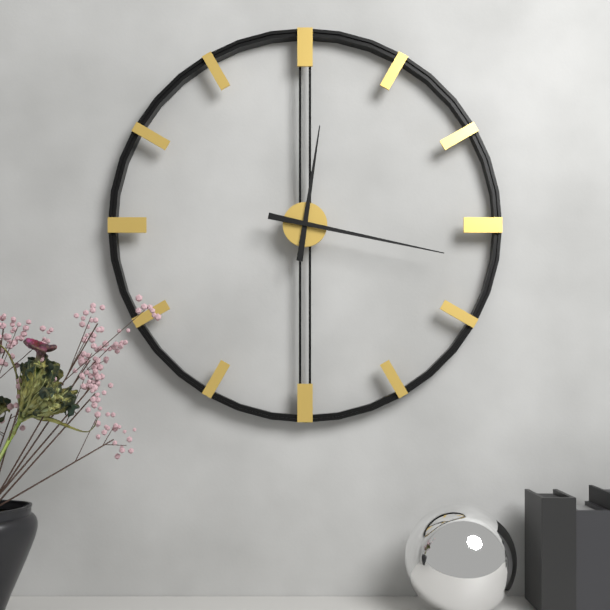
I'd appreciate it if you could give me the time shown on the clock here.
12:17
